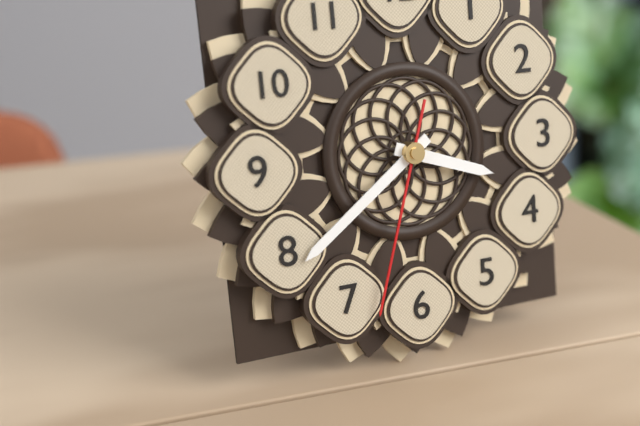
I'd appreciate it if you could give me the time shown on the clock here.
3:39:33
